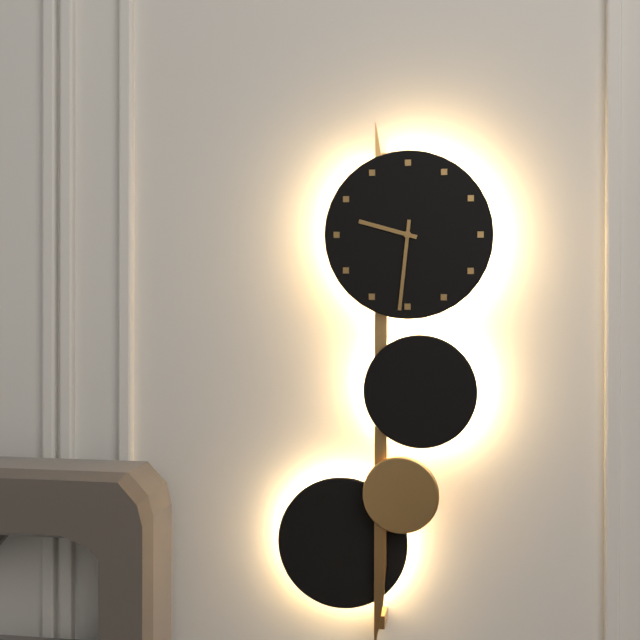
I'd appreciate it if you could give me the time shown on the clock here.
9:31
